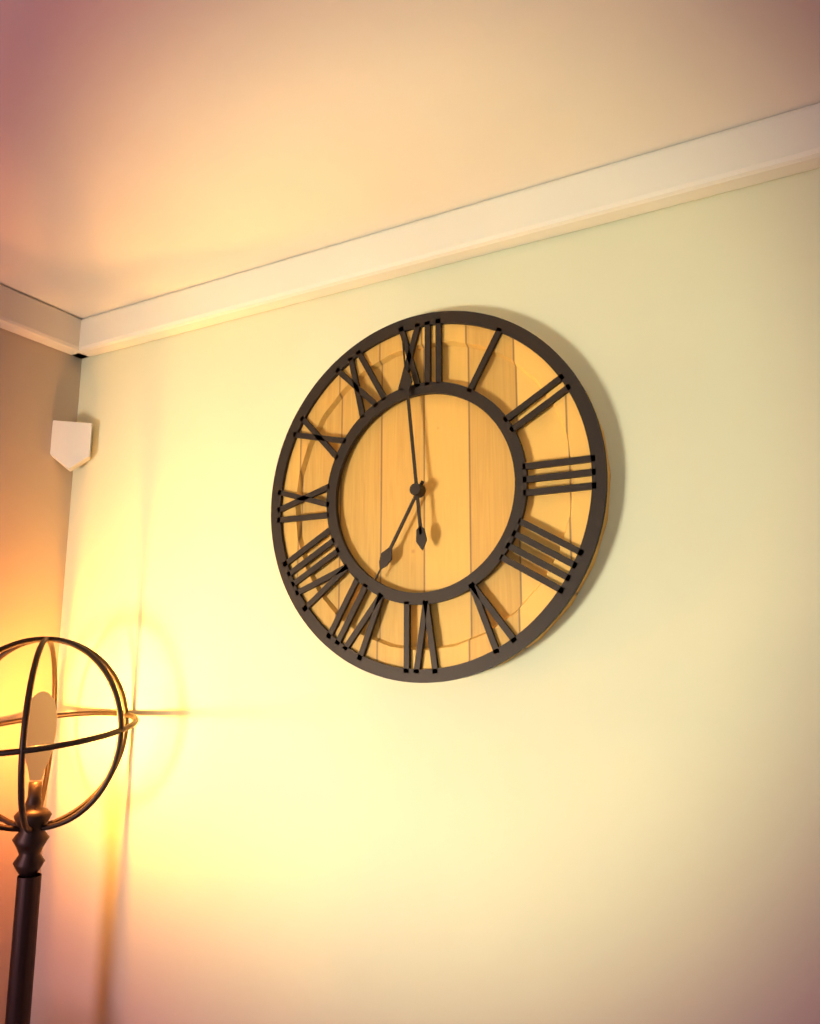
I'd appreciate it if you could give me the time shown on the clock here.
6:59
